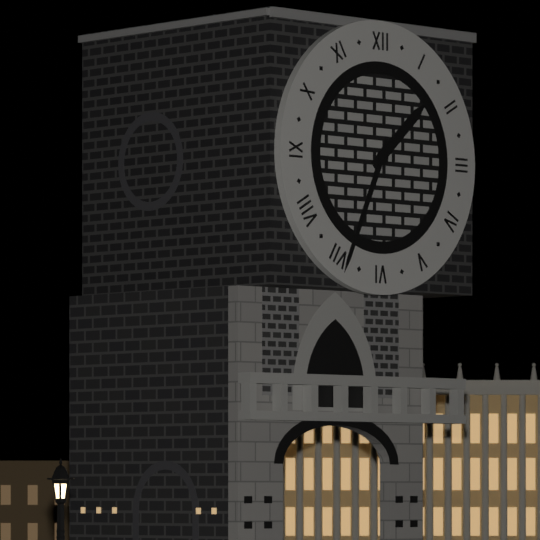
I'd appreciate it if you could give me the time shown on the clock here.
1:34
